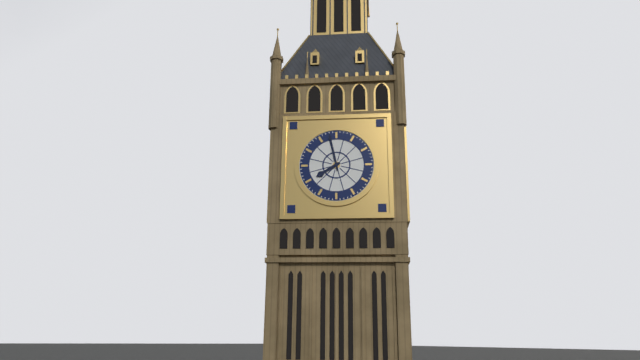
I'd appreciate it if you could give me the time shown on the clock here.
7:58
